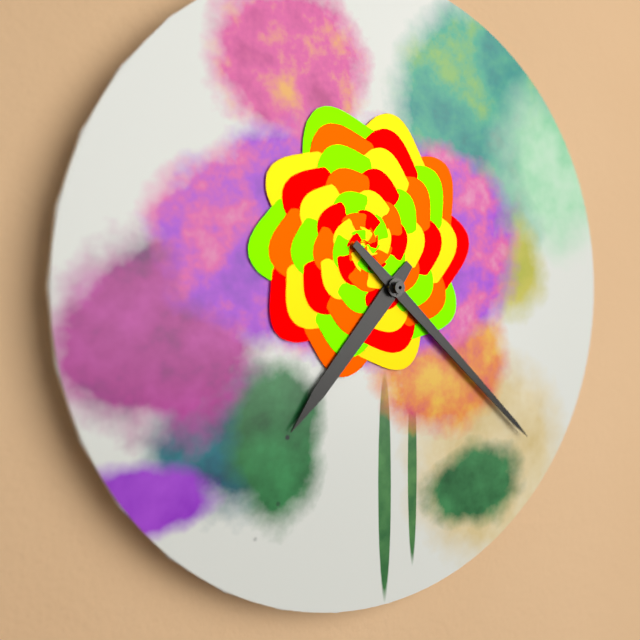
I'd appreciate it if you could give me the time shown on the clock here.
7:22
